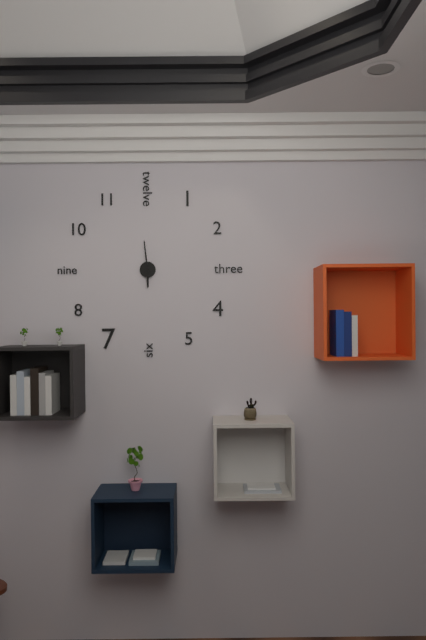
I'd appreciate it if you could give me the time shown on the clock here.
5:59
